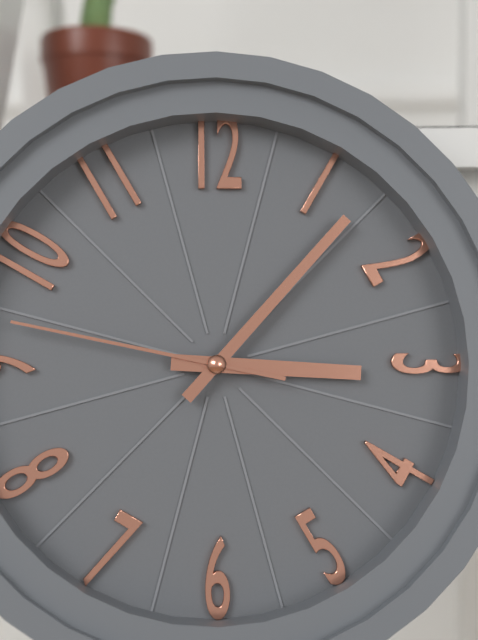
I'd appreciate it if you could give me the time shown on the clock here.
3:07:47
